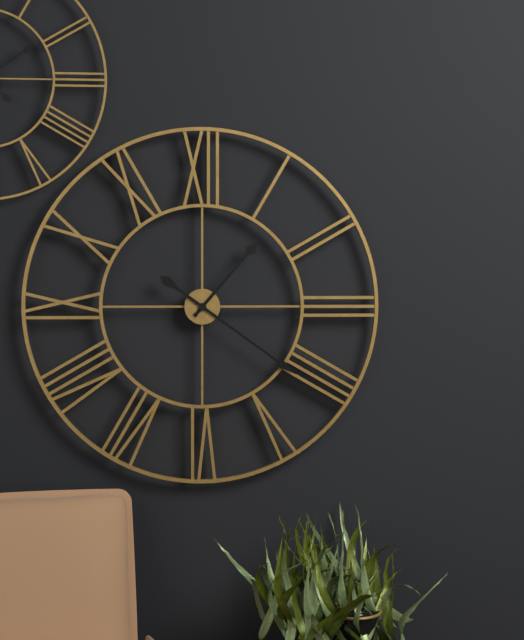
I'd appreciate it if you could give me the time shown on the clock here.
1:21
